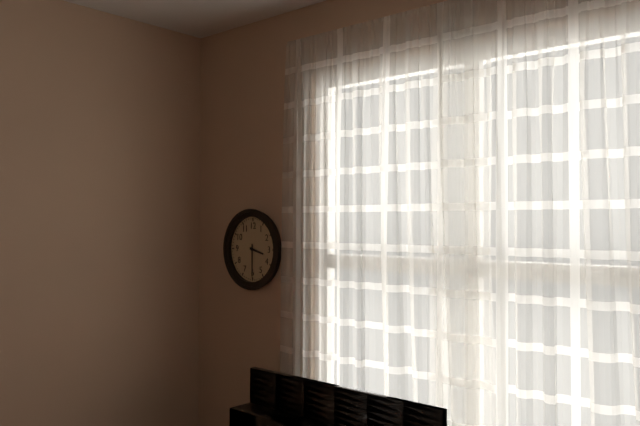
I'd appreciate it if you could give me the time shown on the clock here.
3:30
